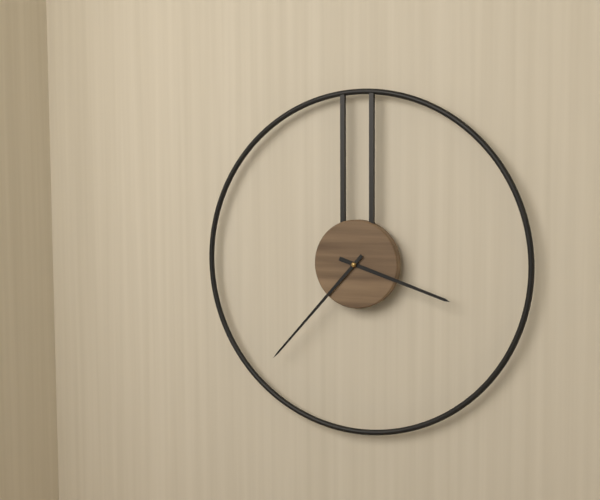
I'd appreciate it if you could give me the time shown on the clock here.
3:37
